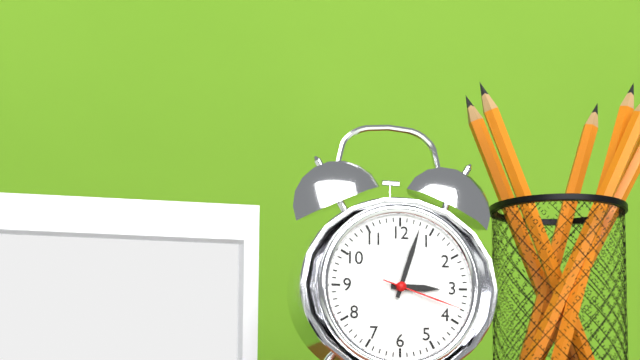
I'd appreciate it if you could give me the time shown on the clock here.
3:03:18
